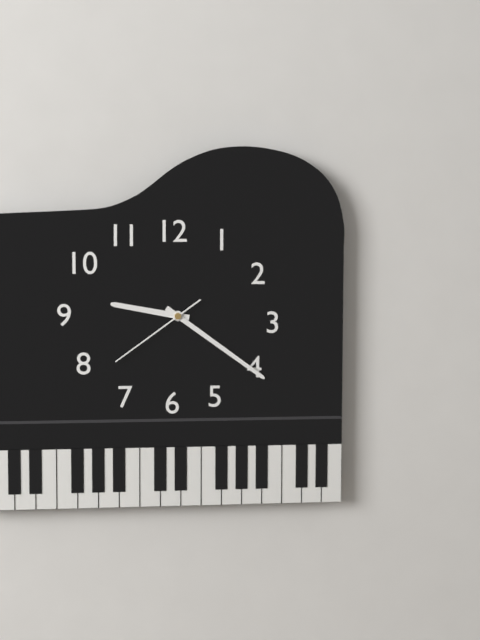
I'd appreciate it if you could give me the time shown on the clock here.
9:21:39
